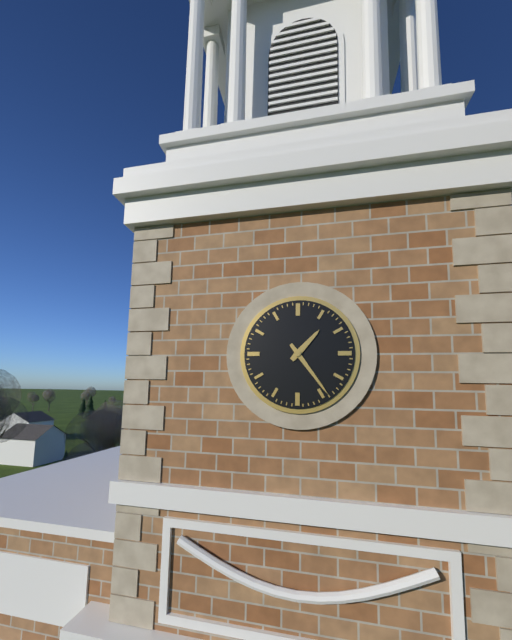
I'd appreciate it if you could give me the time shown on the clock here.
1:24
